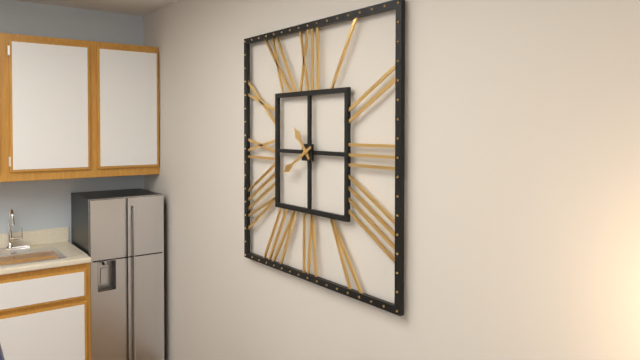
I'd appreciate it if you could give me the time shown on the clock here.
10:40
